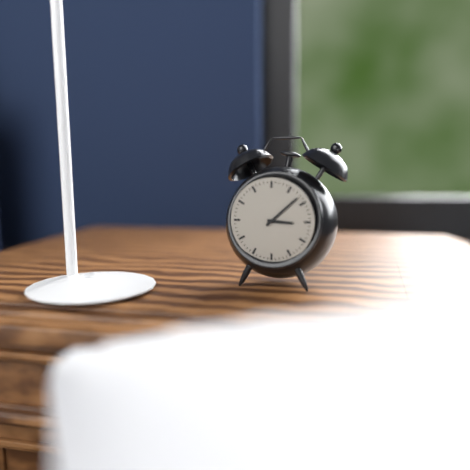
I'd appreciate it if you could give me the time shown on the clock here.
3:08
